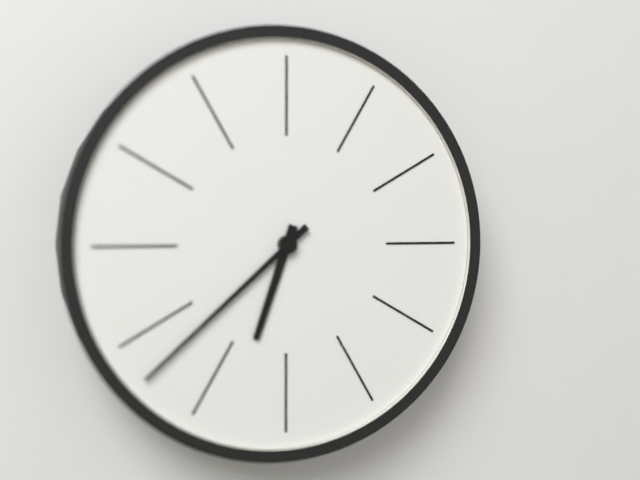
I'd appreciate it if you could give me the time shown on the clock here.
6:38
